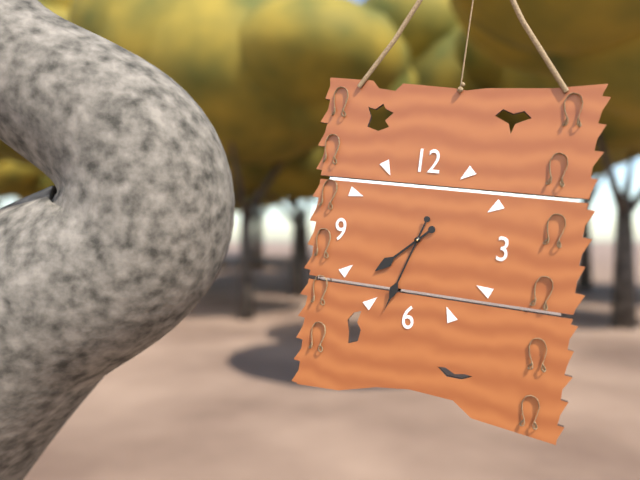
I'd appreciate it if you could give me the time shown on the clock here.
7:33
